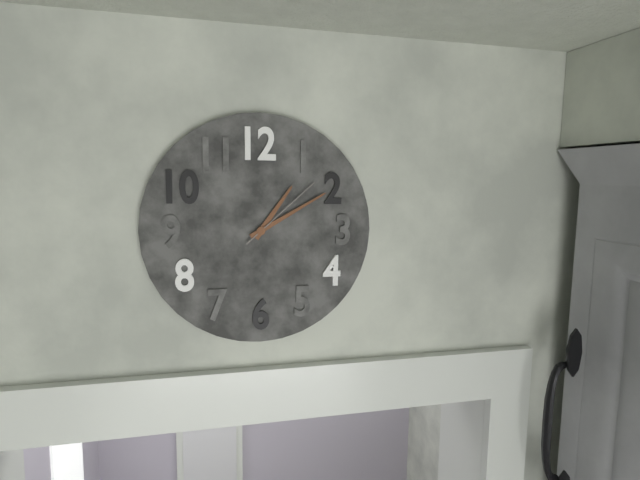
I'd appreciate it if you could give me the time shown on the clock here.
1:10:08
